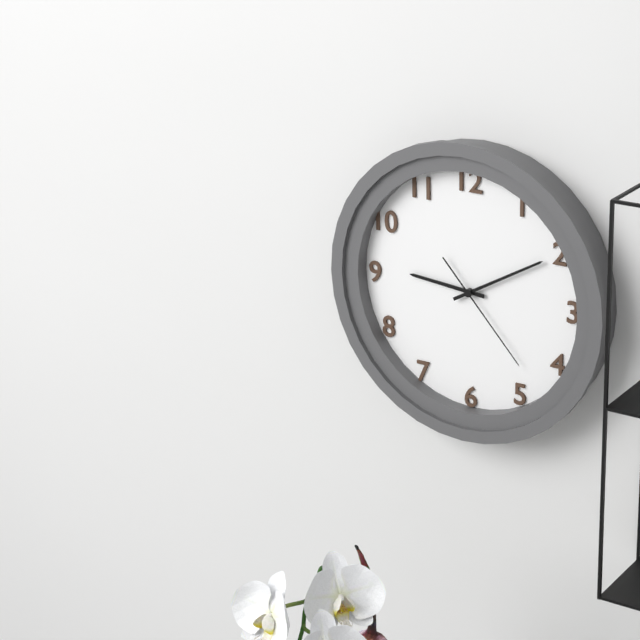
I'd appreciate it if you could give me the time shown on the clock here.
9:10:23
